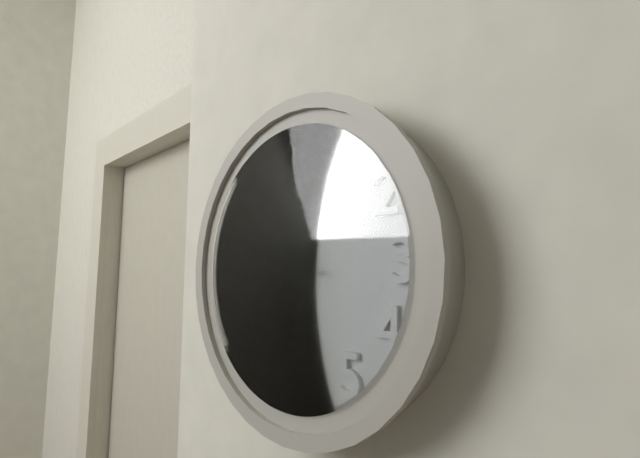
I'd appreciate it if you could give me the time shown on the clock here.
11:48:47
